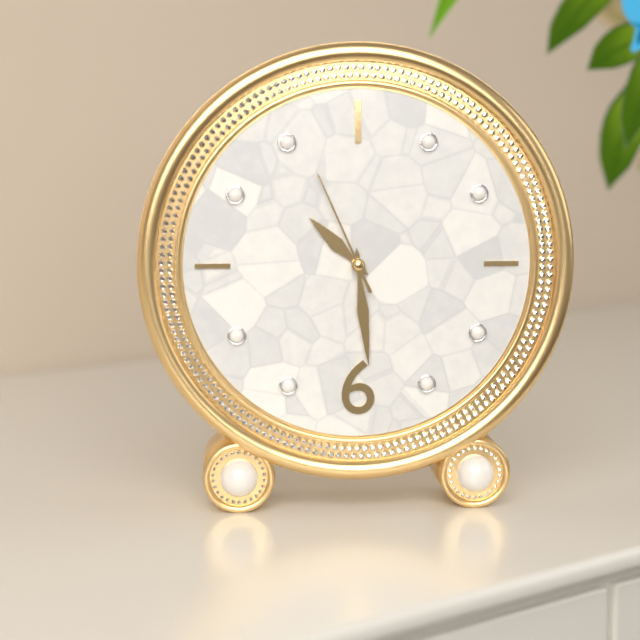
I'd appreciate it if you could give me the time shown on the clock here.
10:29:56
